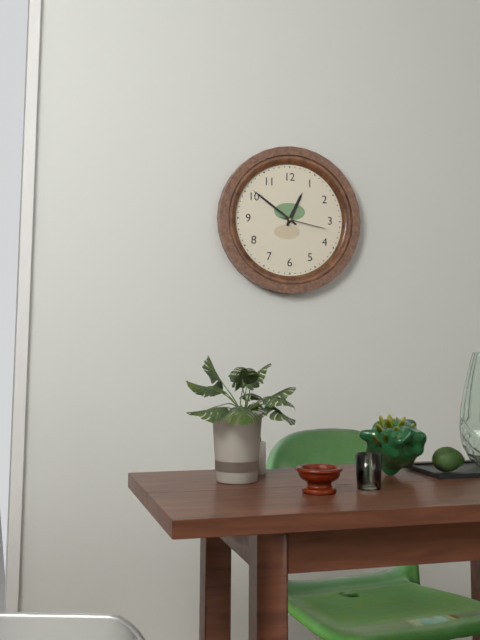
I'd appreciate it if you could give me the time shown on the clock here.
12:51:17
